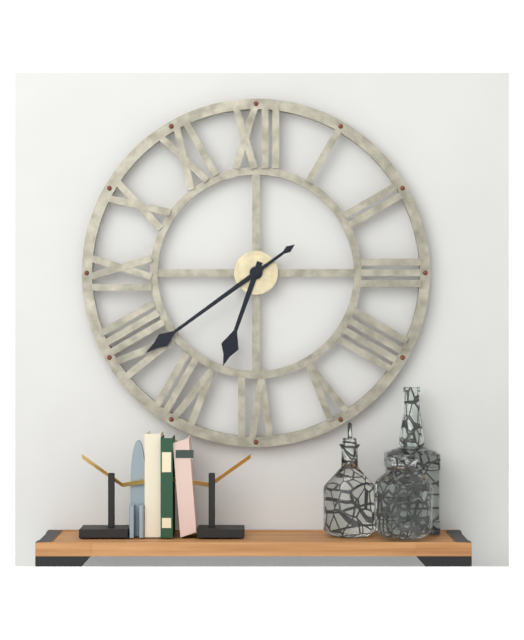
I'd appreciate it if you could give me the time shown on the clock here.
6:39
